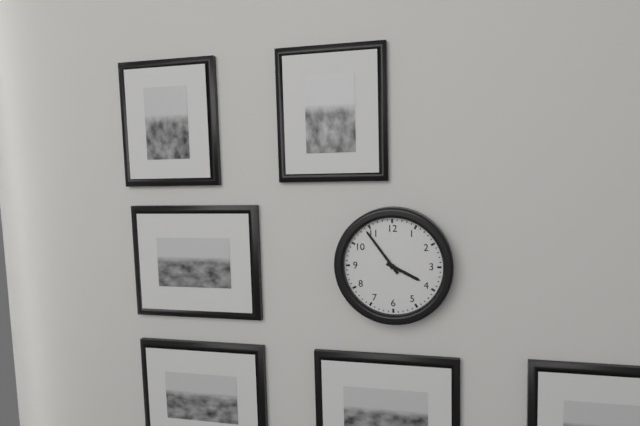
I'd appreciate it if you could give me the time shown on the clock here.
3:54
